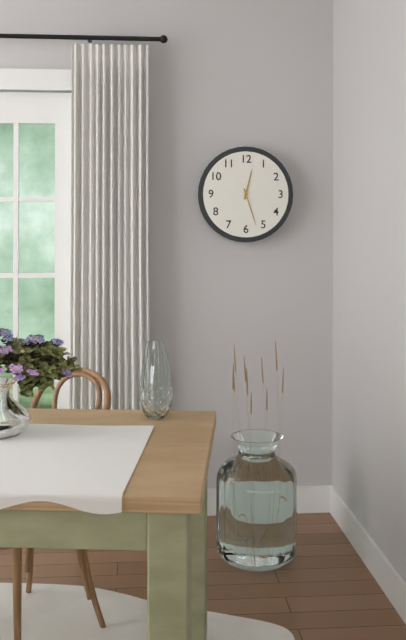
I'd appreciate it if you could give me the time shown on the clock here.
12:27
